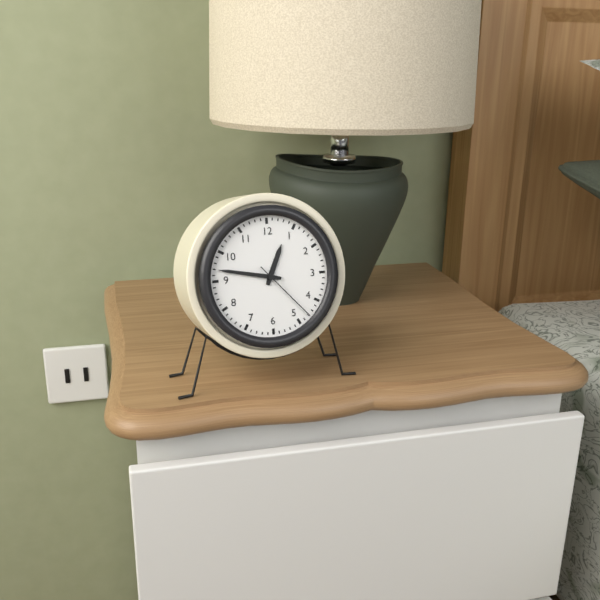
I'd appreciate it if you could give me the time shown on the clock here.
12:47:23
